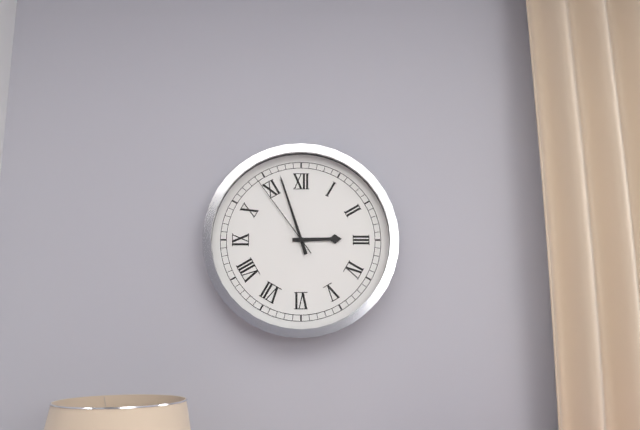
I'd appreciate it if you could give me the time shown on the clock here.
2:57:54
